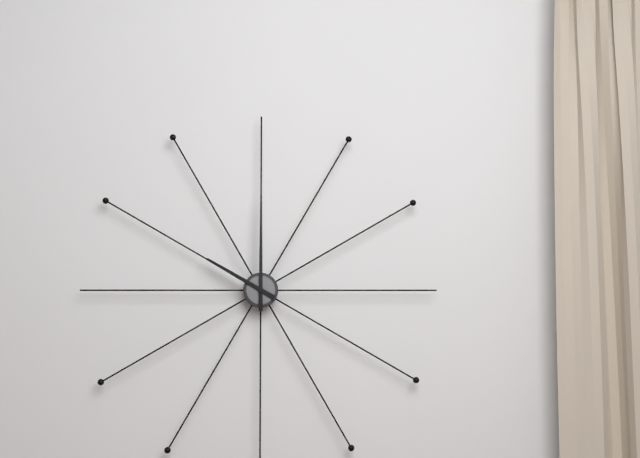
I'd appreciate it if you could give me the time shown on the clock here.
10:00
